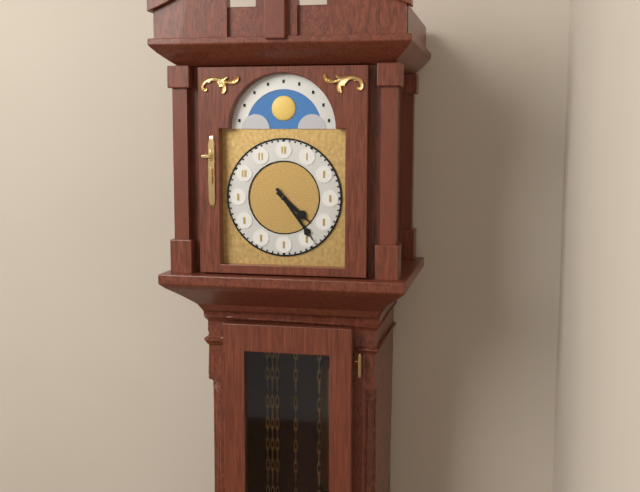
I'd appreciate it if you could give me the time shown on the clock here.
4:24
